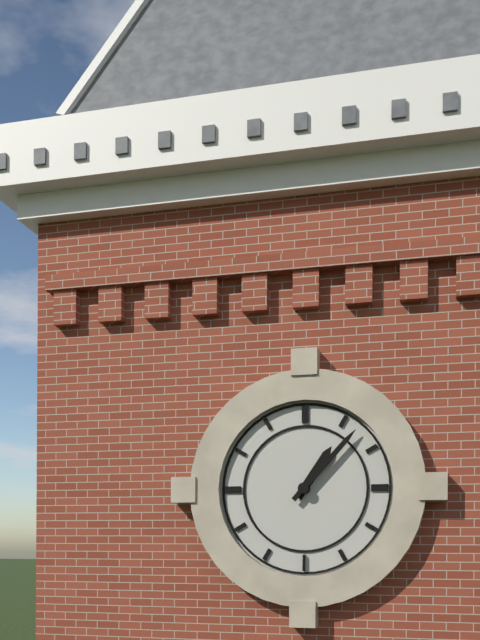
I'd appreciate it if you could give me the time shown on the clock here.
1:07
